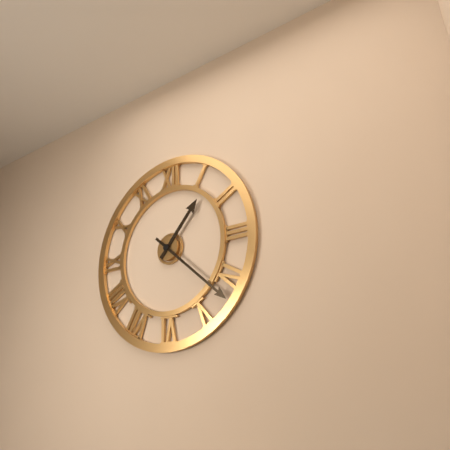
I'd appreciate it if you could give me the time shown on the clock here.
1:22
